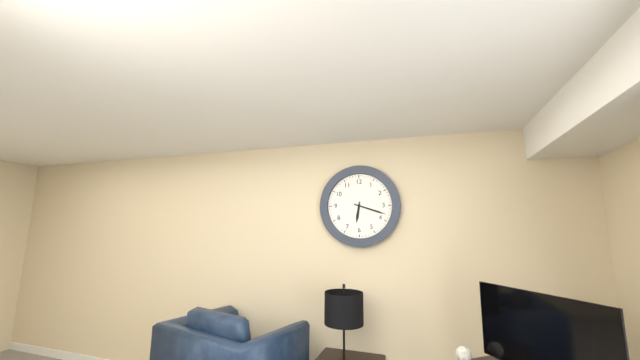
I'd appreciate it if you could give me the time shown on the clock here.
6:18
